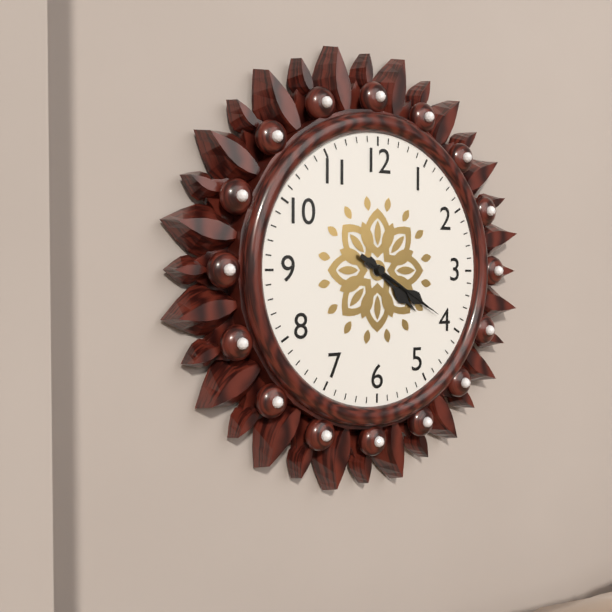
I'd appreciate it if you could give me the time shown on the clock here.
4:20:20
